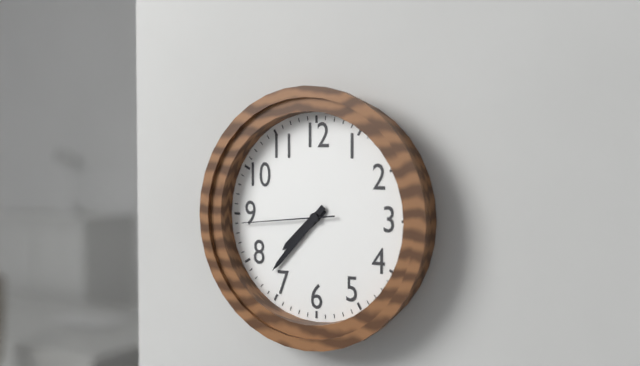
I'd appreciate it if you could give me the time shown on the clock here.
7:37:44
